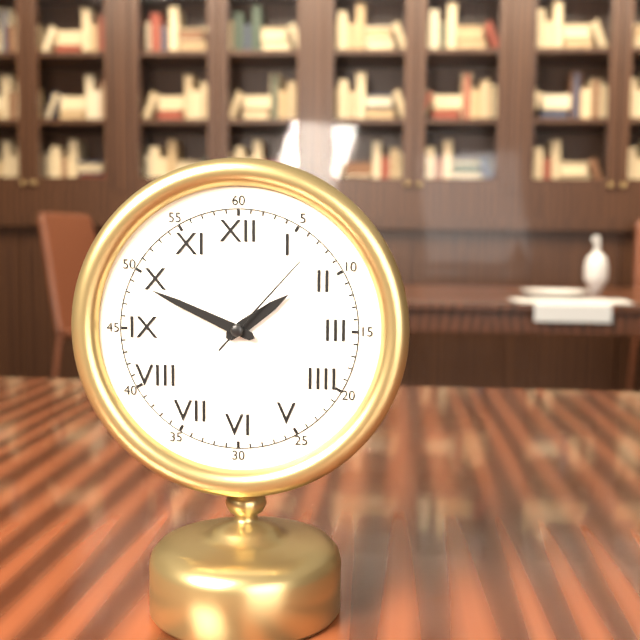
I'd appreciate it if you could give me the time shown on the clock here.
1:49:07
